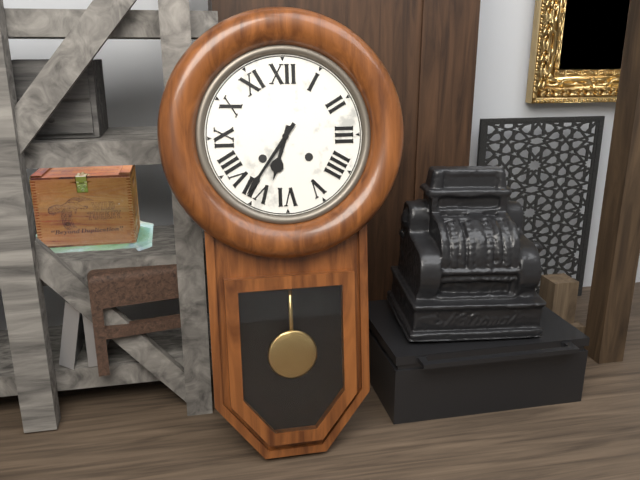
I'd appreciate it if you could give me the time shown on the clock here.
6:36
